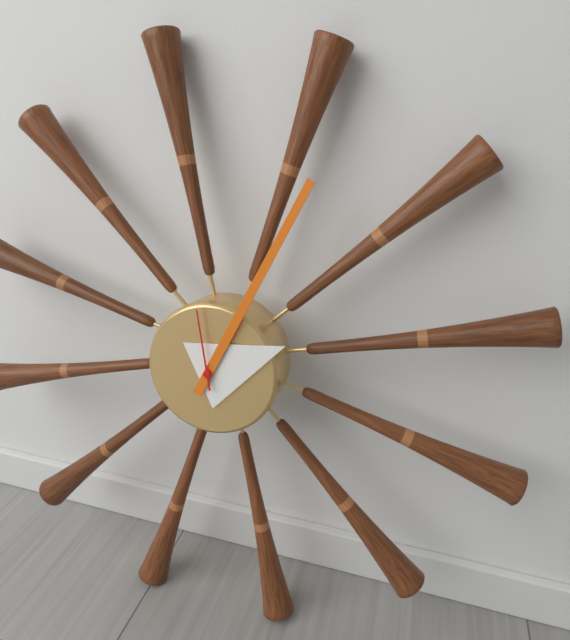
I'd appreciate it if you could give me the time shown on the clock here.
2:04:58
